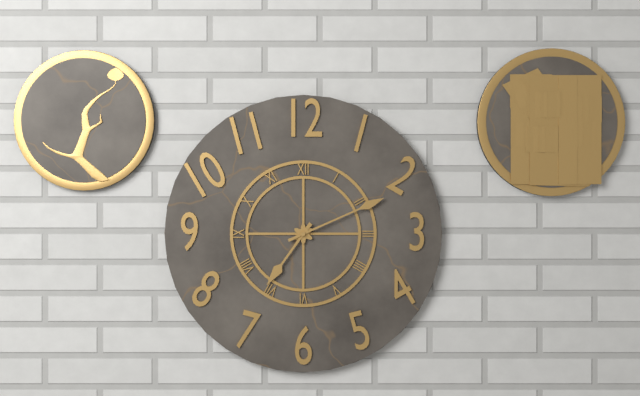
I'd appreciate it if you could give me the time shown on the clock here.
7:11
